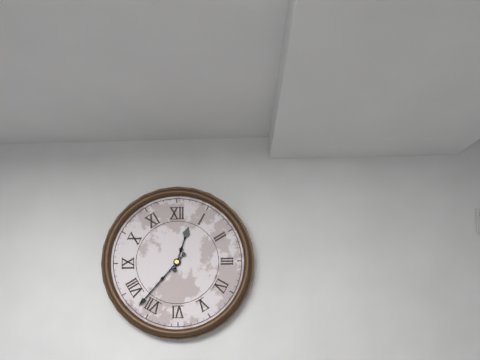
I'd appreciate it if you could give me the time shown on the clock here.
12:37
